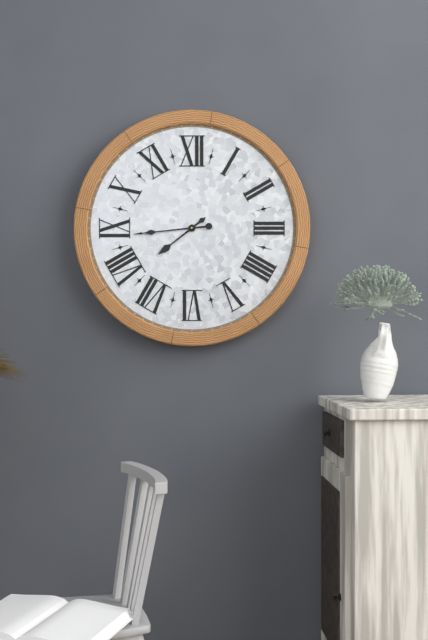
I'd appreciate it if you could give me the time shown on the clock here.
7:44
